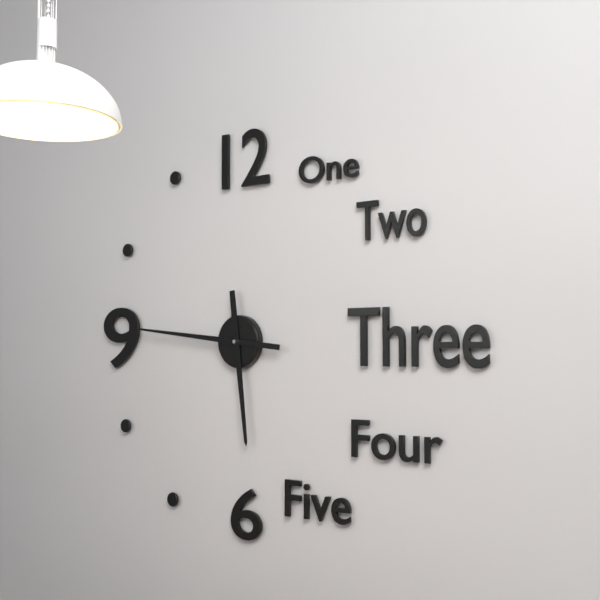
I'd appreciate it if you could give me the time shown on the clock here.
5:46
